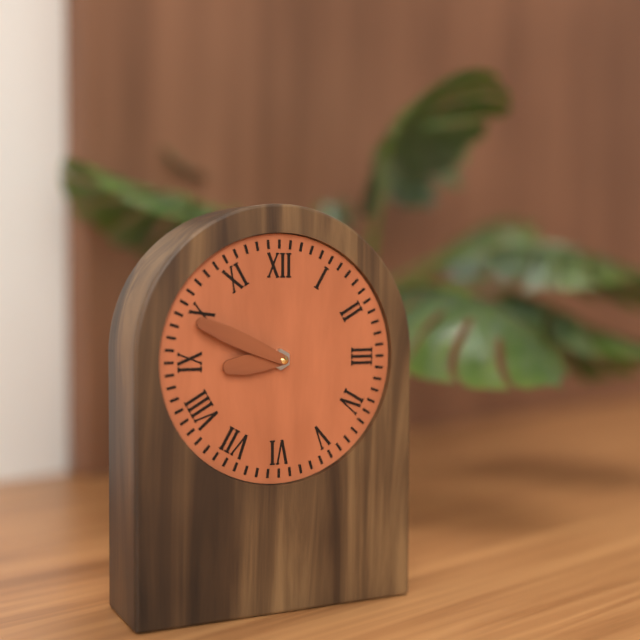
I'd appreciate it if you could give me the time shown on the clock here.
8:49
